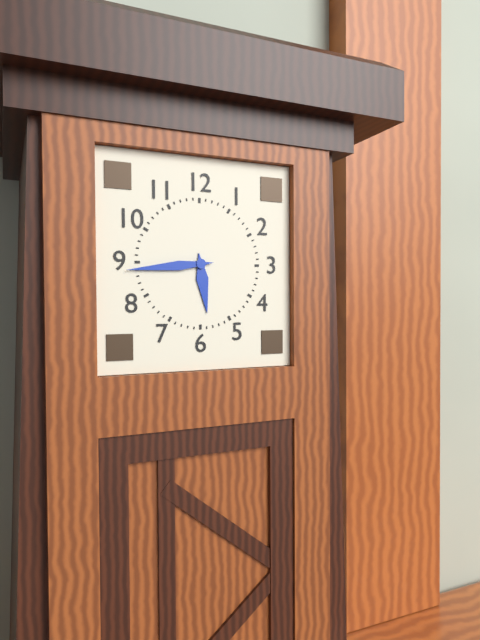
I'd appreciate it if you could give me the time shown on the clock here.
5:44
